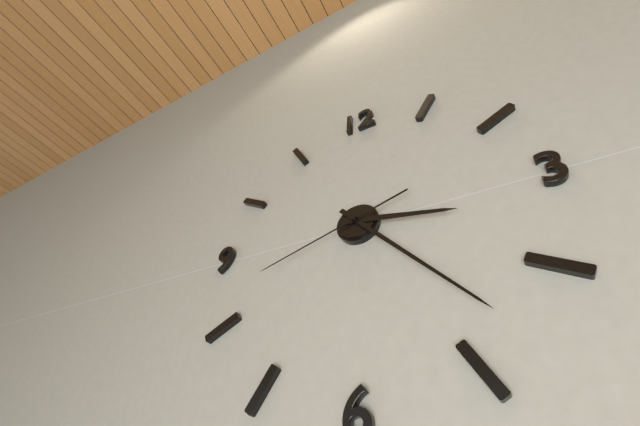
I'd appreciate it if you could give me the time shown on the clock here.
3:23:42
